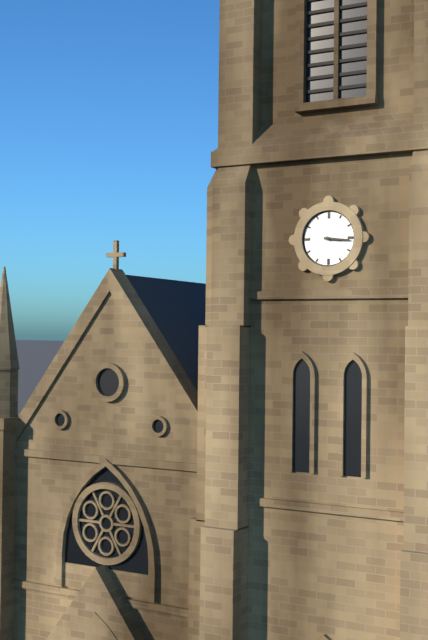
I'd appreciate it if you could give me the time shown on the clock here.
3:16
